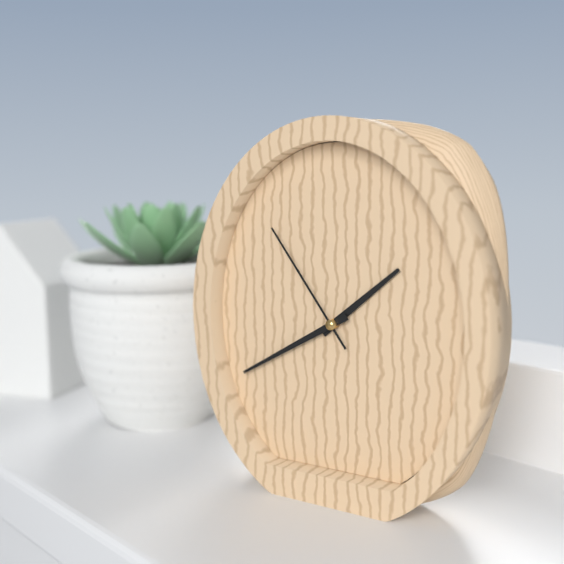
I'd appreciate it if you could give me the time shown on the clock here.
1:40:54
